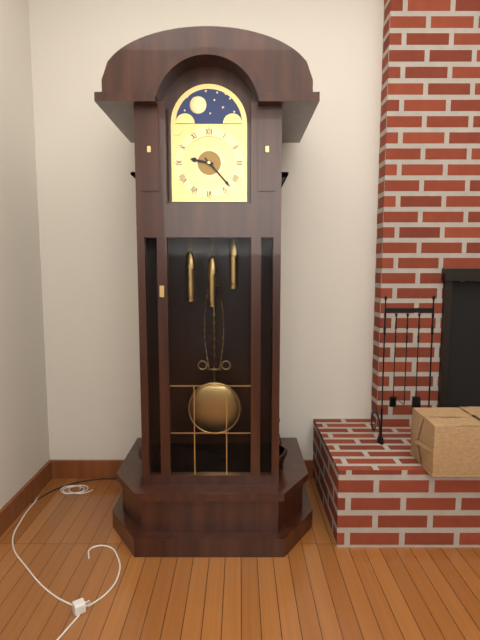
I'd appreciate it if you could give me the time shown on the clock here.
9:23
